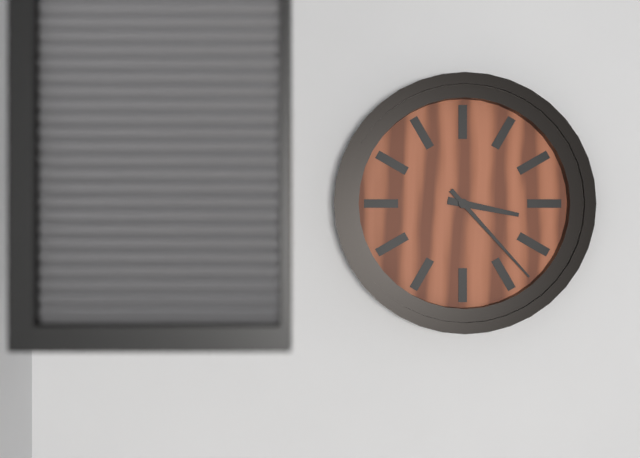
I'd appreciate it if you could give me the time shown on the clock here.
3:23
